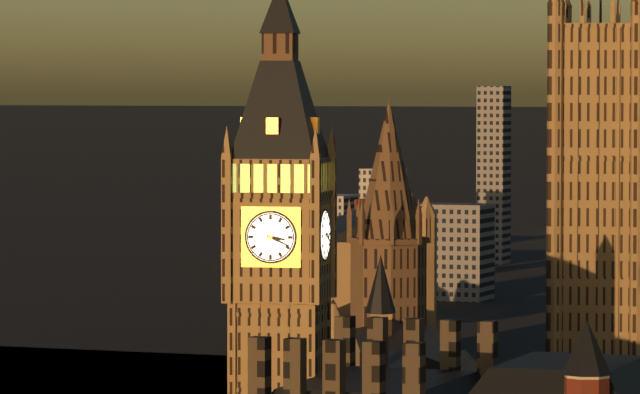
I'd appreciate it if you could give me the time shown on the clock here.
3:19
